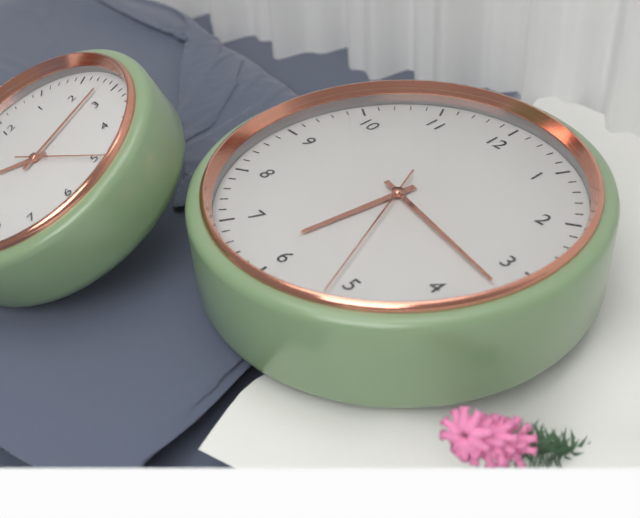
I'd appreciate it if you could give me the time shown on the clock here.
6:17:26
